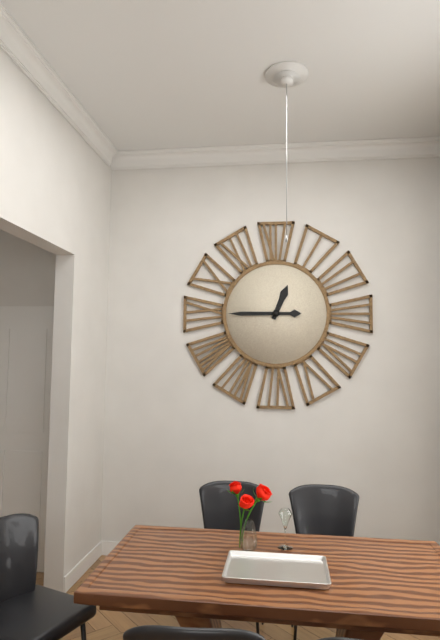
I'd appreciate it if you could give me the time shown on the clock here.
12:45
